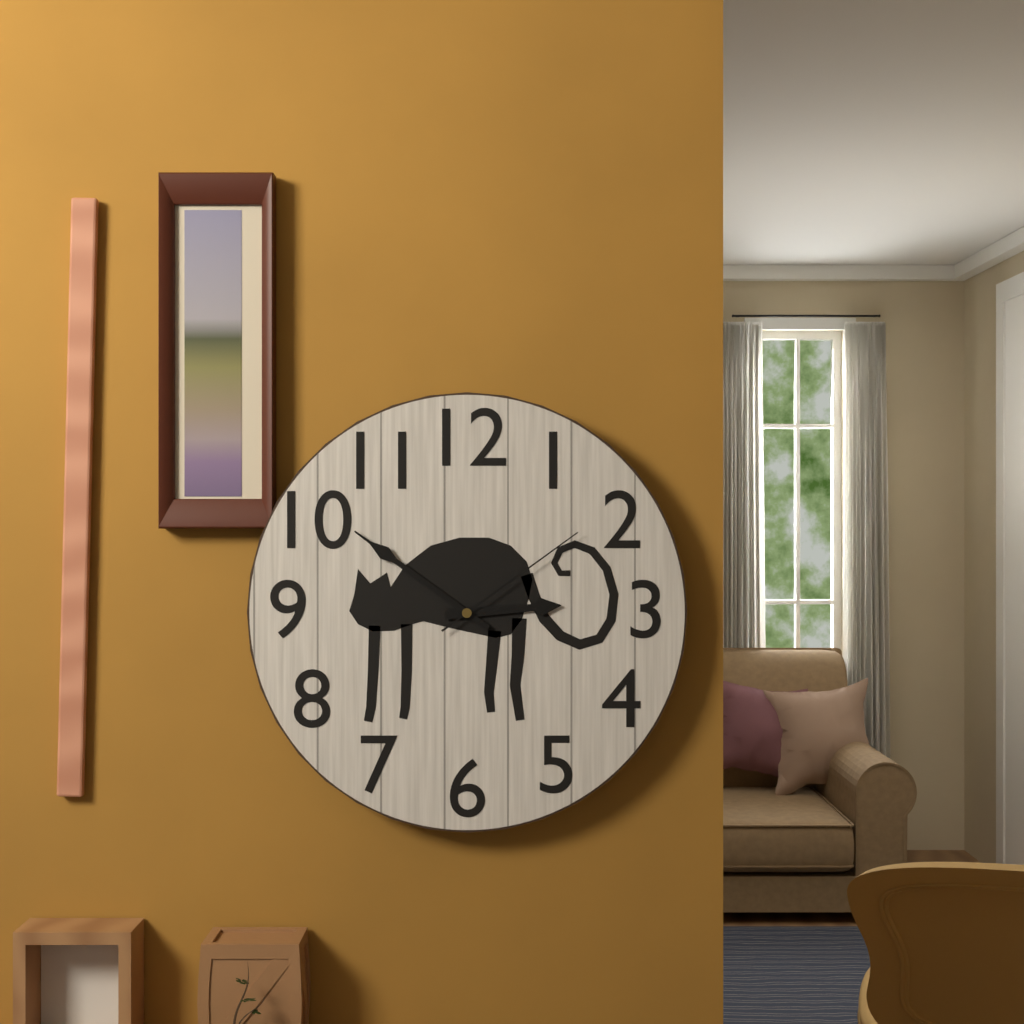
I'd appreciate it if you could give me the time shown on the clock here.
2:51:09
